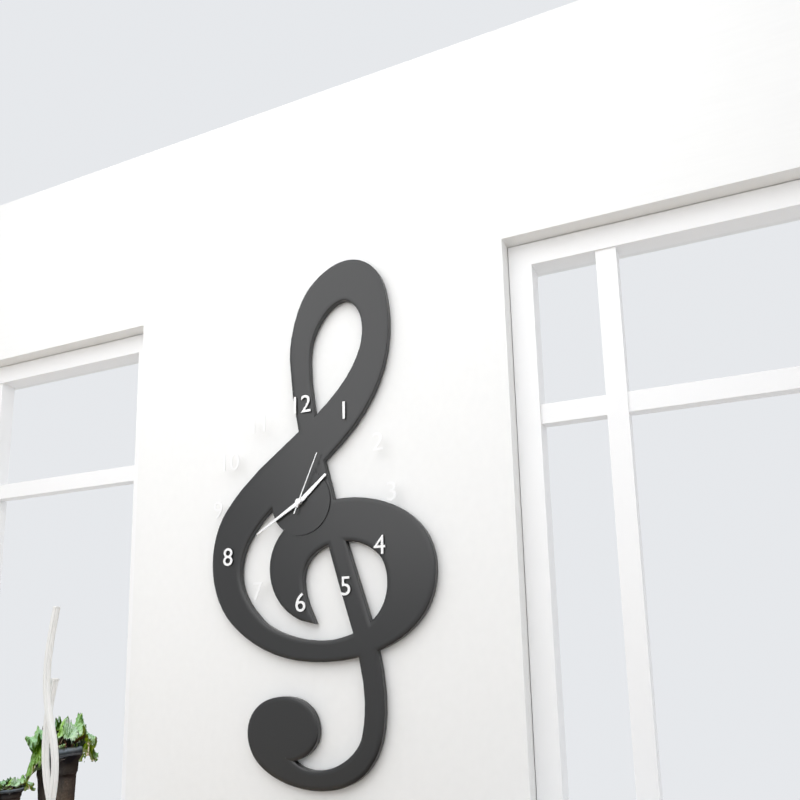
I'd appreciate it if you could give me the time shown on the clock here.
1:40:04
